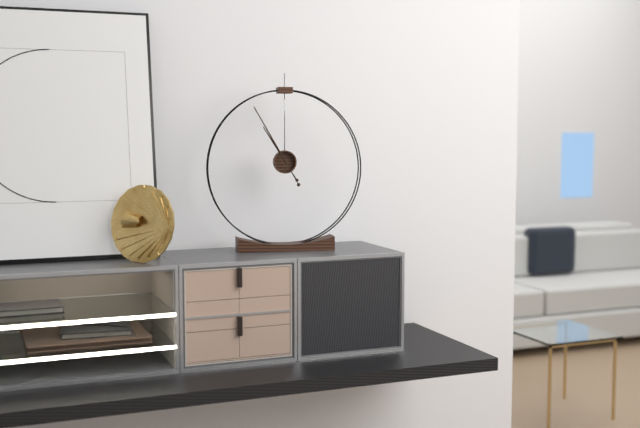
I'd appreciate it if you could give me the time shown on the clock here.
10:55
